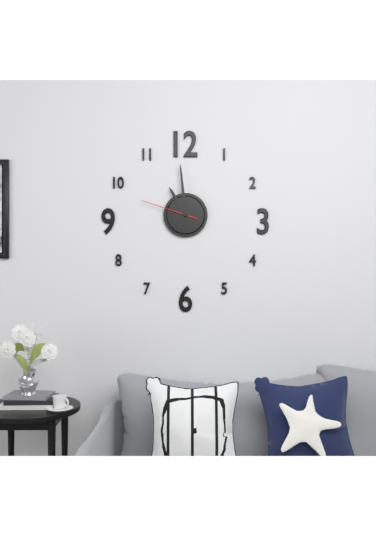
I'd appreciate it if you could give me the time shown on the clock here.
10:59:48
